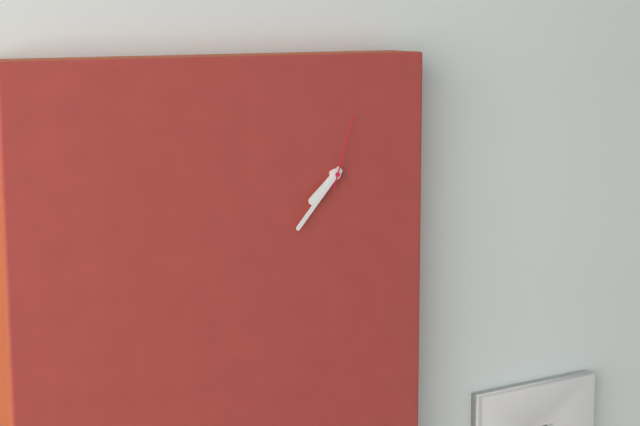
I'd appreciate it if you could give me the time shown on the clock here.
7:37:03
